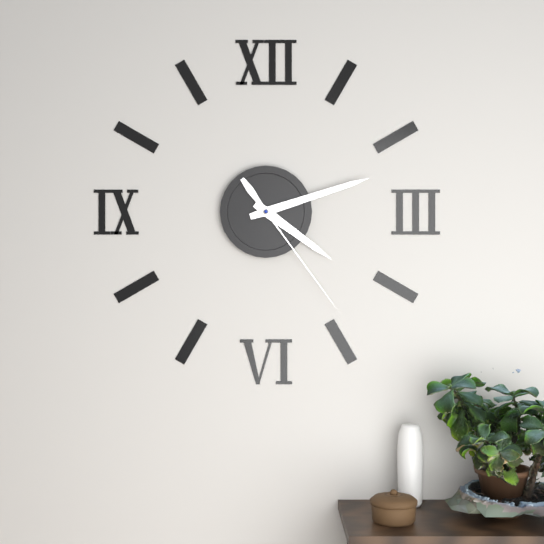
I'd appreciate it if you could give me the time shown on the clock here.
4:12:24
